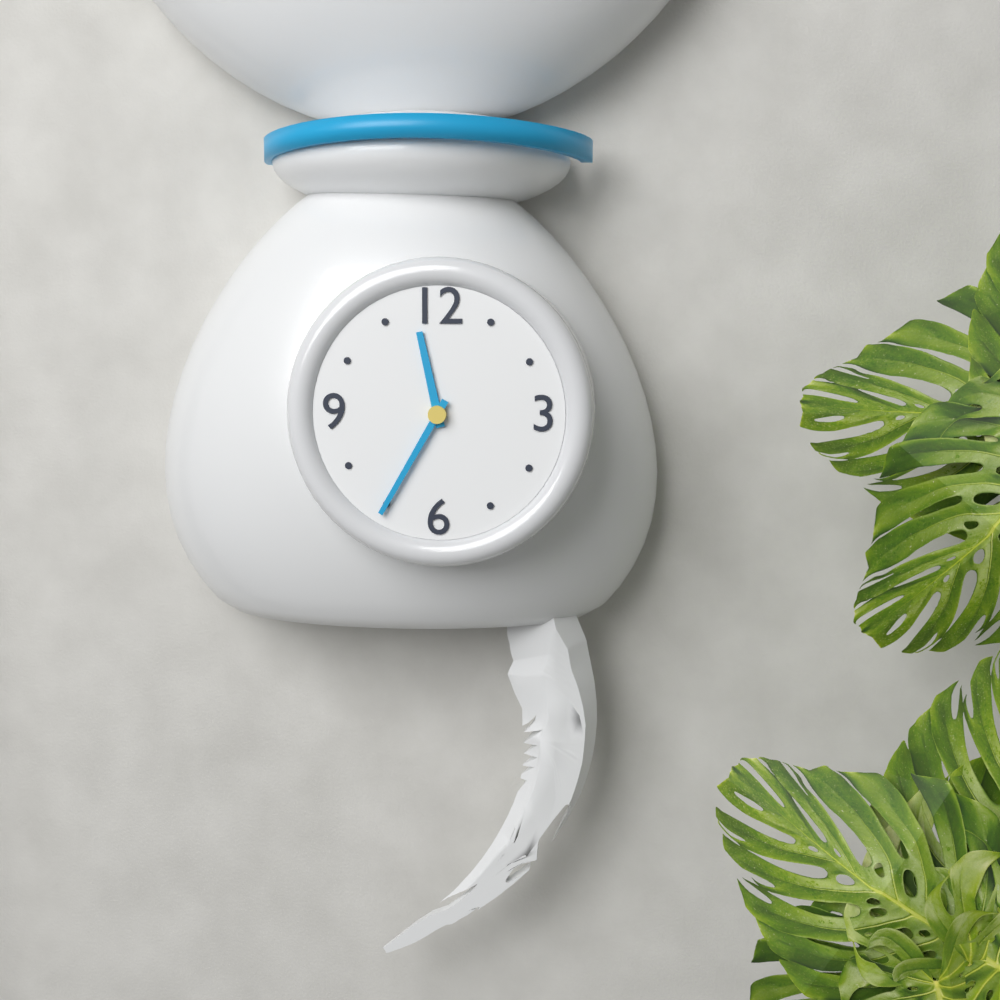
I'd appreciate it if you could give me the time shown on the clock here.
11:35
